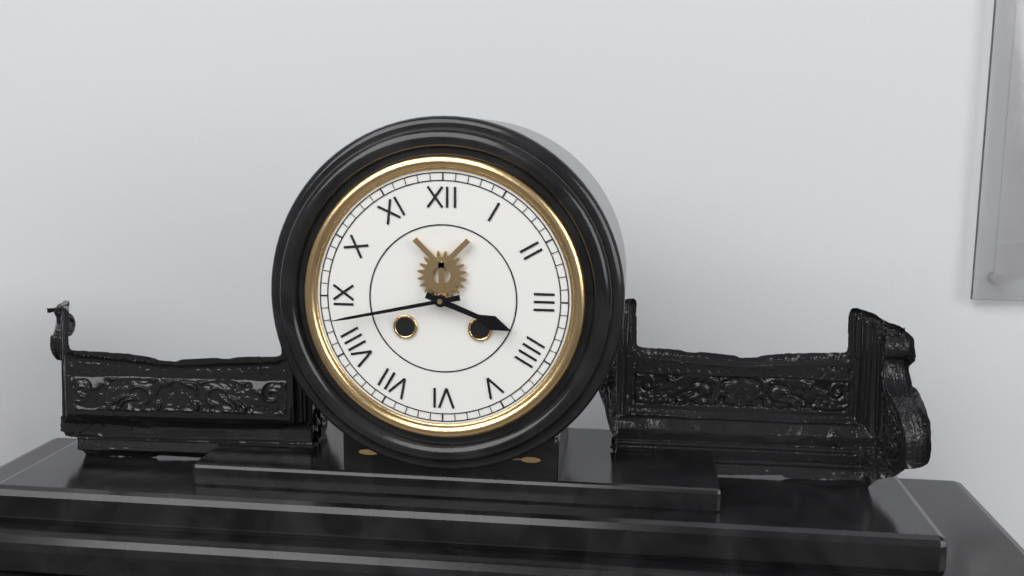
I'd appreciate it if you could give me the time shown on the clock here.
3:43
